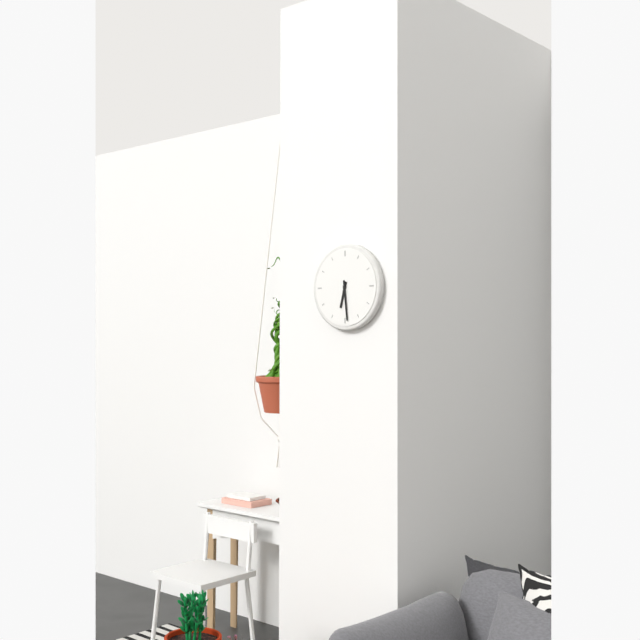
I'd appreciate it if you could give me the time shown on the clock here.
6:29
